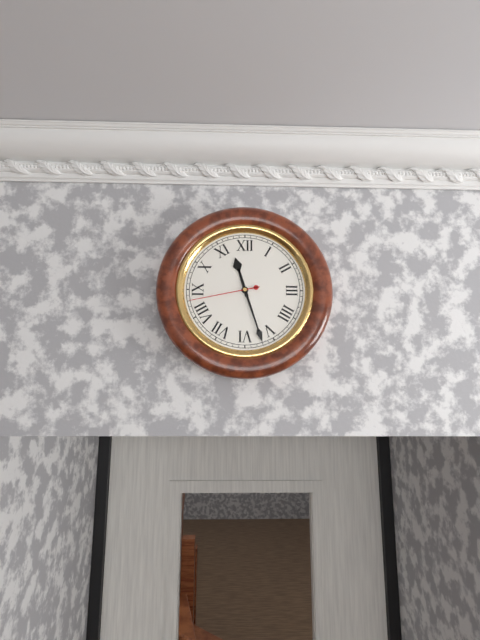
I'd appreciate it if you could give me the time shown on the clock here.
11:27:43
